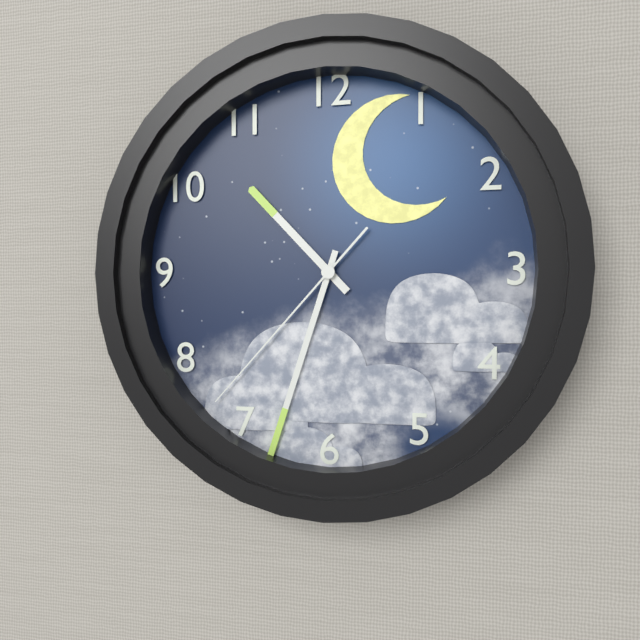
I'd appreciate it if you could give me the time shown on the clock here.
10:33:37
